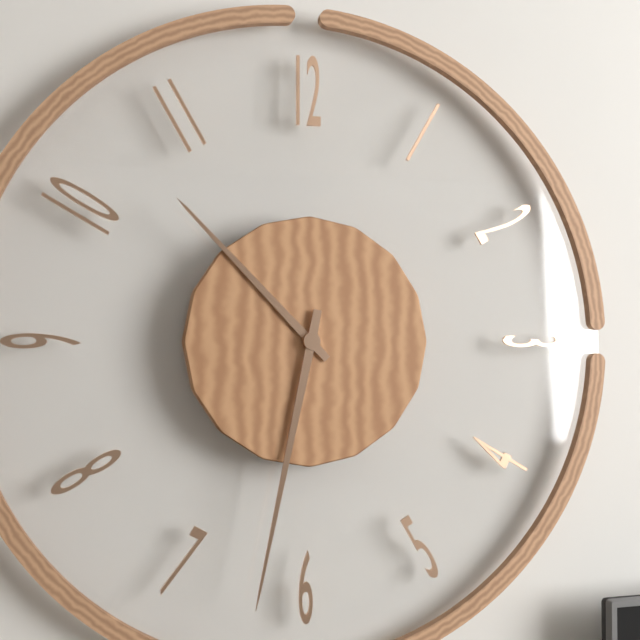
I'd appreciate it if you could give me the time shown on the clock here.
10:32
